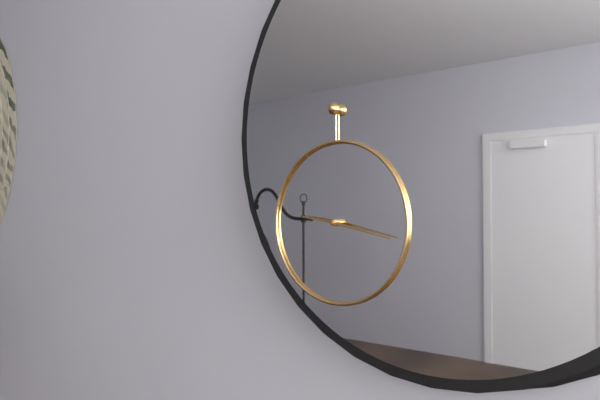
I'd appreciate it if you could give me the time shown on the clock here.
9:17
